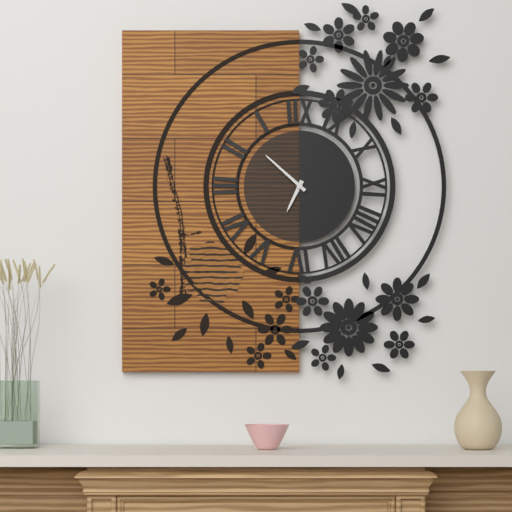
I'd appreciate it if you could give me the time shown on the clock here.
6:52
